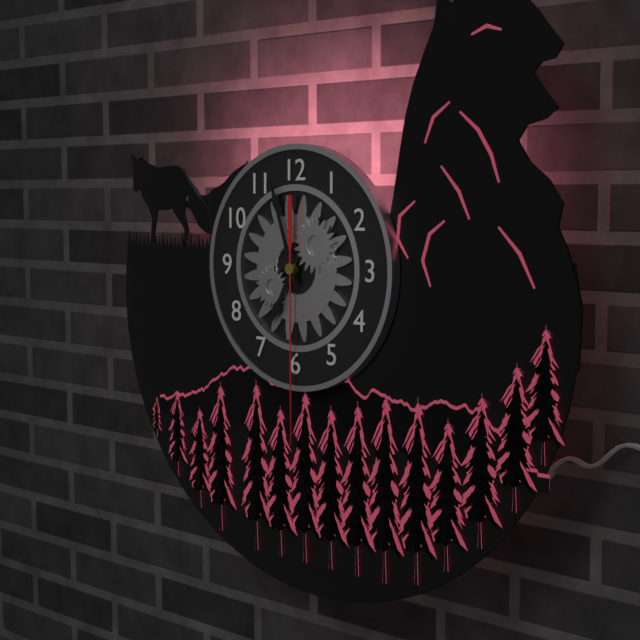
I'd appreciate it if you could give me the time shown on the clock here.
6:57:30
